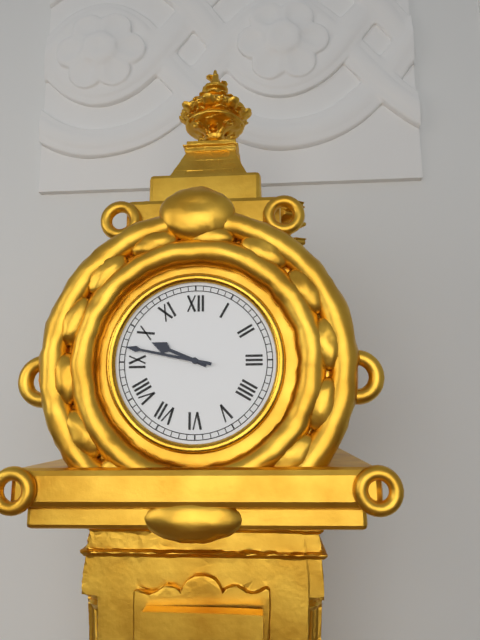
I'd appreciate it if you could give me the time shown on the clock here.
9:47
